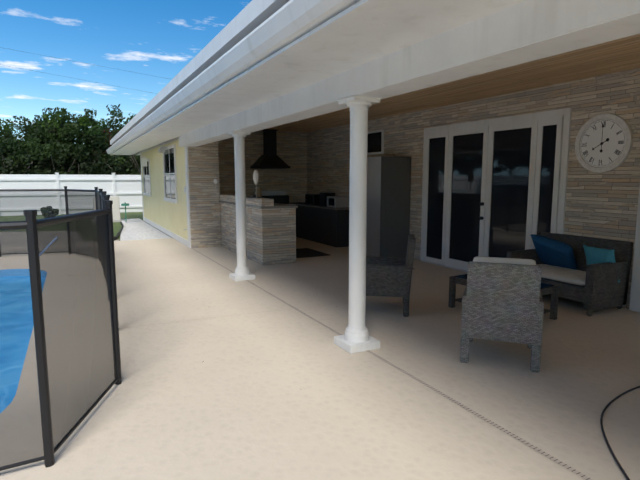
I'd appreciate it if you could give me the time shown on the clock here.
8:00
